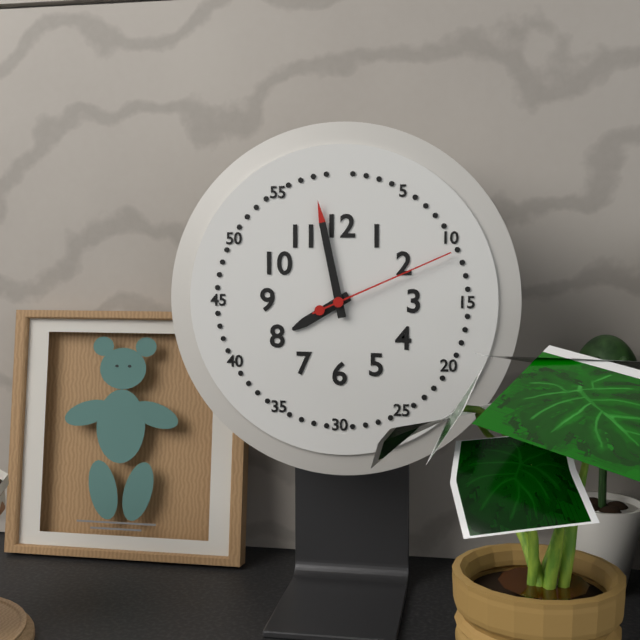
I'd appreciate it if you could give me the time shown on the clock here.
7:58:11
